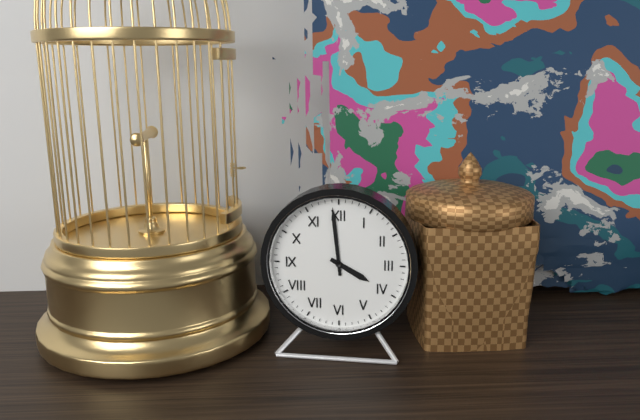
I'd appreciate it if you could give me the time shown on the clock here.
3:59
